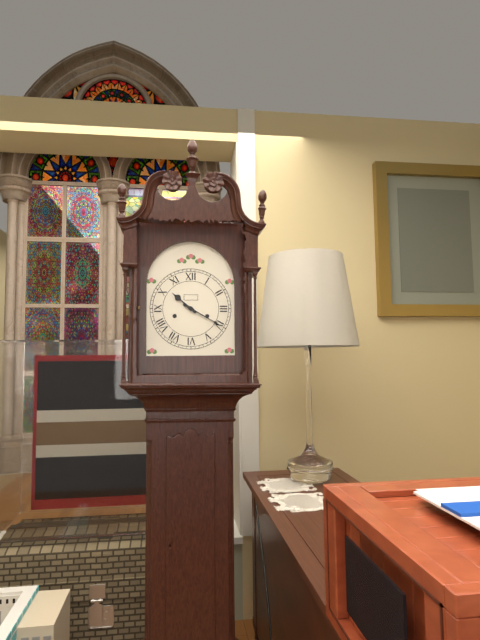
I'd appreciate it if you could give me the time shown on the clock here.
10:20
